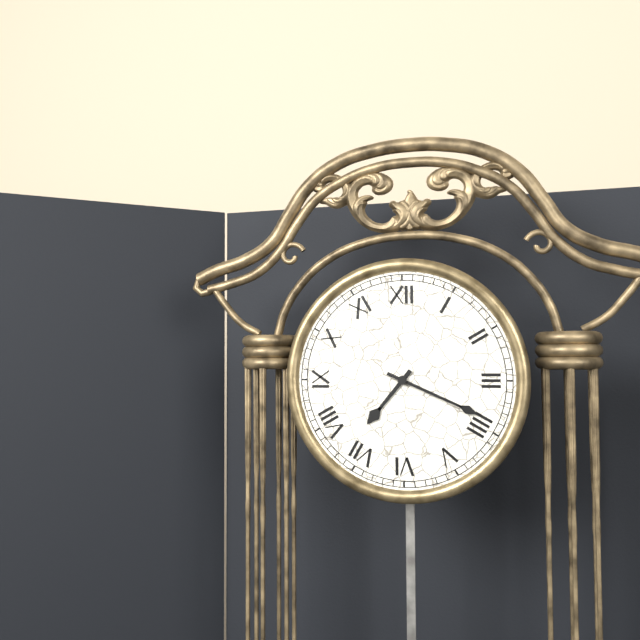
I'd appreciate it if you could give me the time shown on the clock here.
7:19
